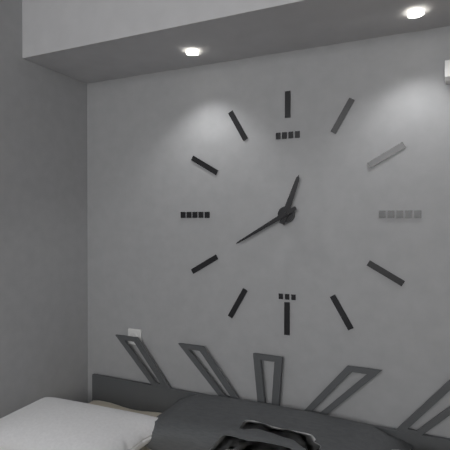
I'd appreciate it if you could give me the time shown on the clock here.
12:40
